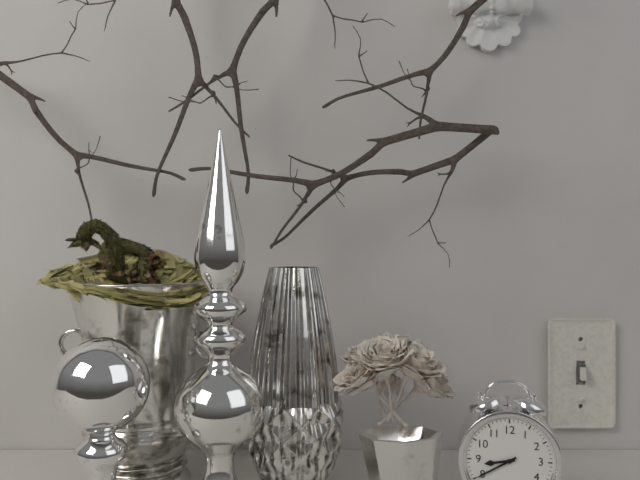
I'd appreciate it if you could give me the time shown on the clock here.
8:40
